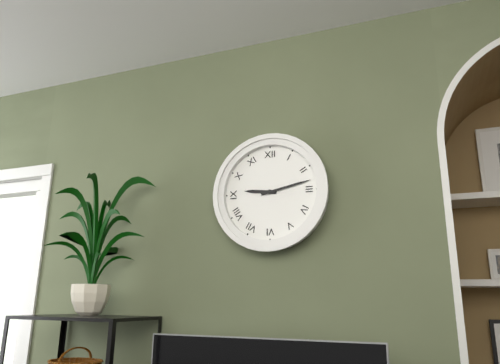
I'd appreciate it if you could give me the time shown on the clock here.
9:13
